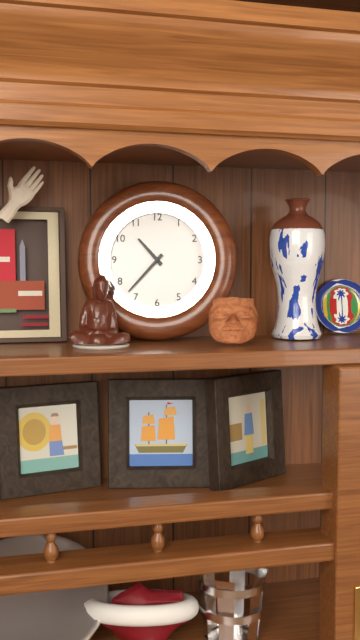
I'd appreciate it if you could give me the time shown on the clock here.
10:37
